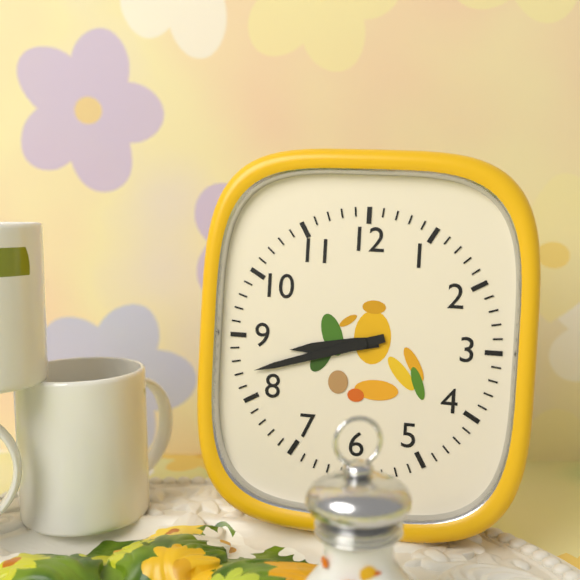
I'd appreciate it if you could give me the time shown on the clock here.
8:42
